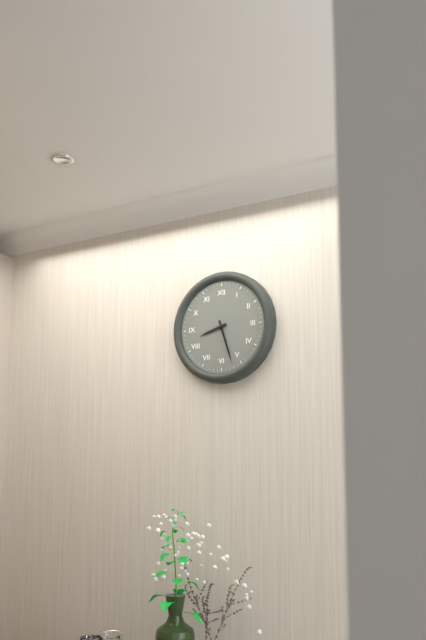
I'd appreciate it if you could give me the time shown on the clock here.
8:27
